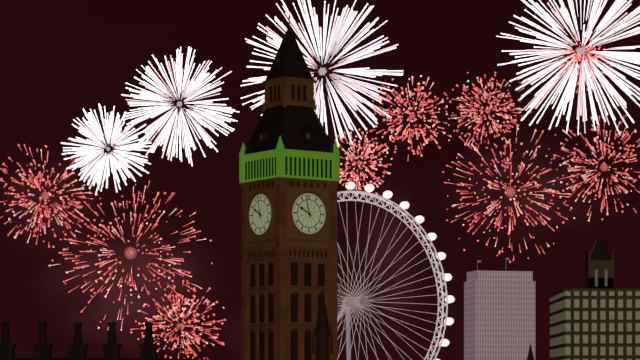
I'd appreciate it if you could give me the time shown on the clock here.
9:58
